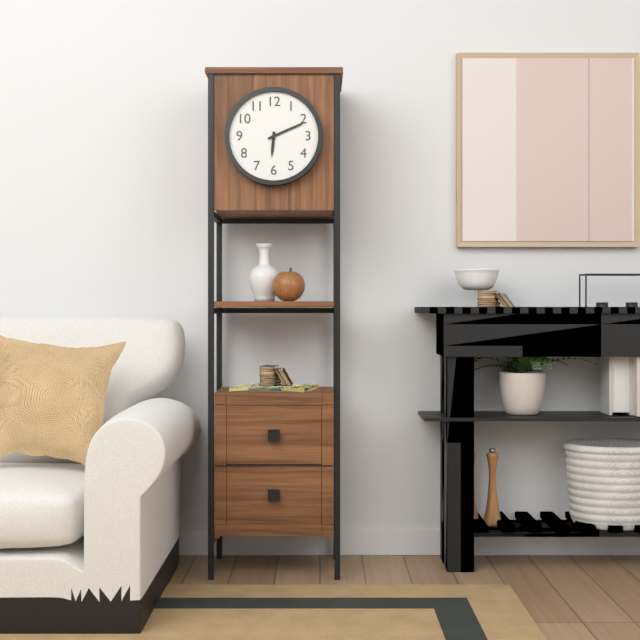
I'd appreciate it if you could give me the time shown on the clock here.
6:11
